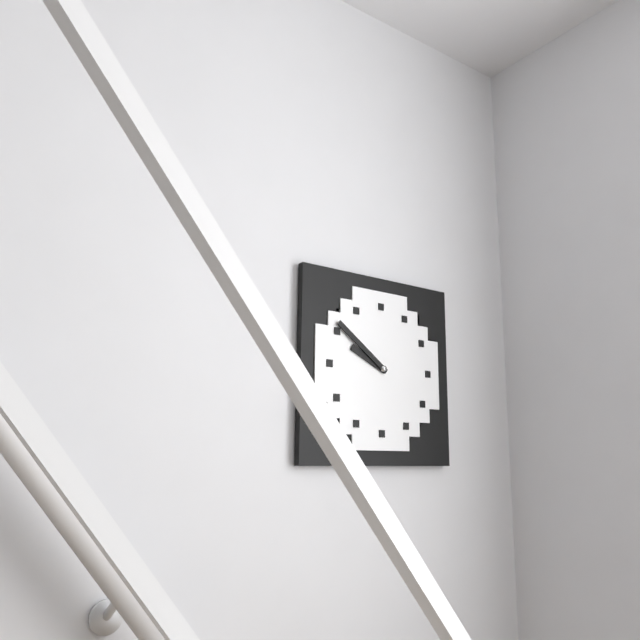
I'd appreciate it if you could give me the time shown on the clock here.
9:51
